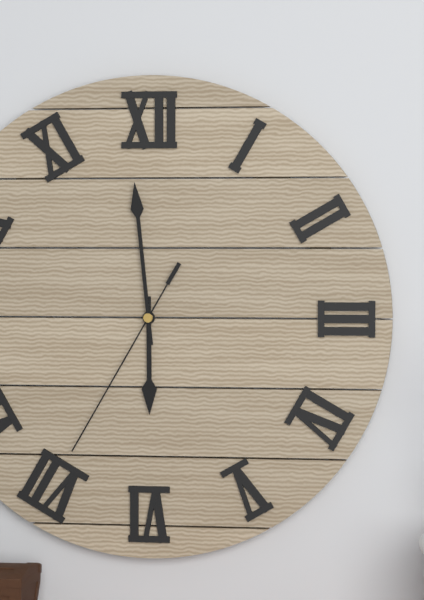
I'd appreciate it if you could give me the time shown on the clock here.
5:59:35
